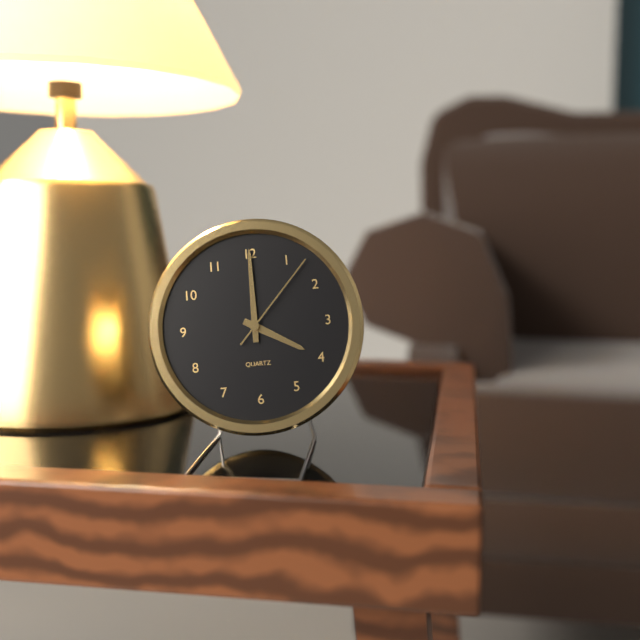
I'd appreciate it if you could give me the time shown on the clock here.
4:00:07
